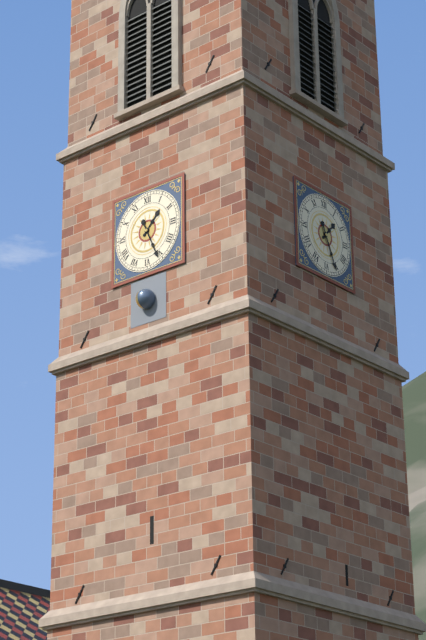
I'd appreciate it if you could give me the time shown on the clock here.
1:26
